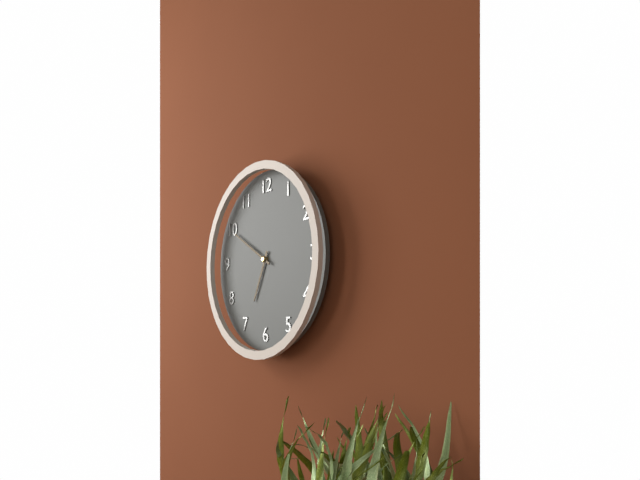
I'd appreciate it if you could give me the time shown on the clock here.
6:50
